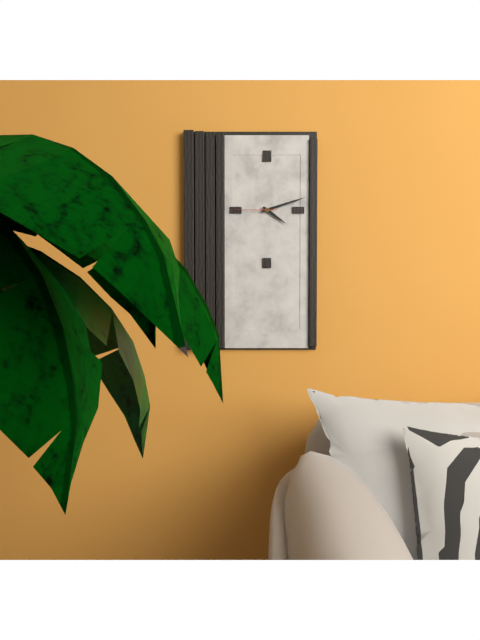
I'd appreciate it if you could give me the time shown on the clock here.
4:12
